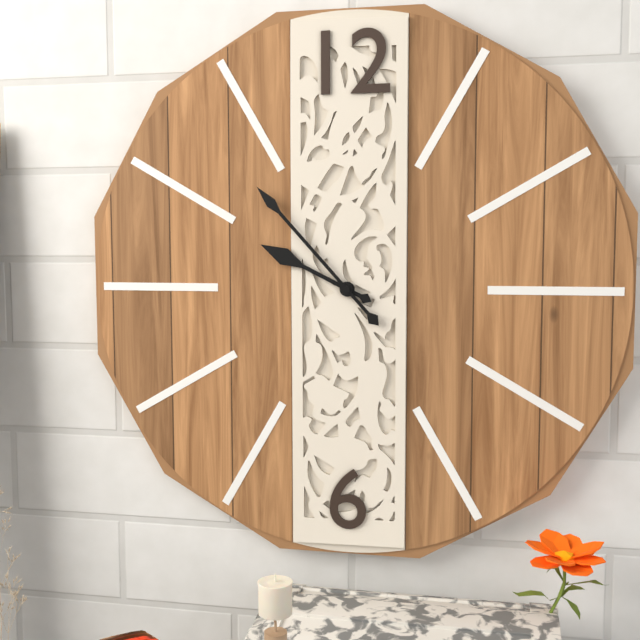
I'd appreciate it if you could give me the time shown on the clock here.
9:53
